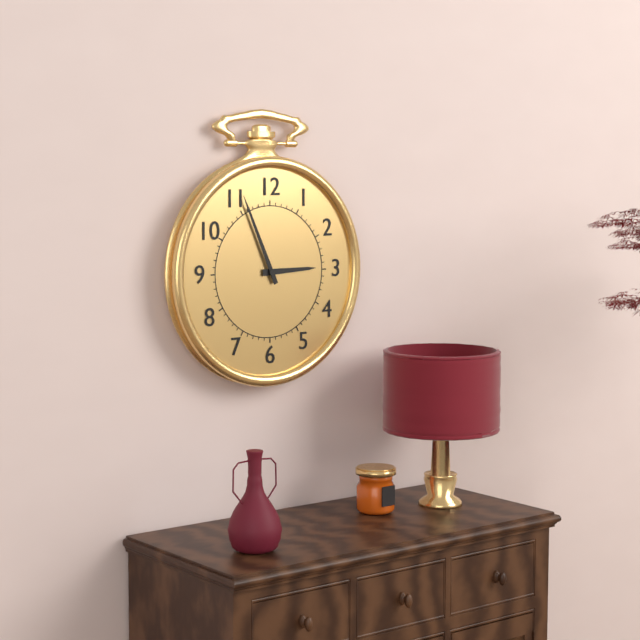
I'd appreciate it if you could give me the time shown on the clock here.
2:56
